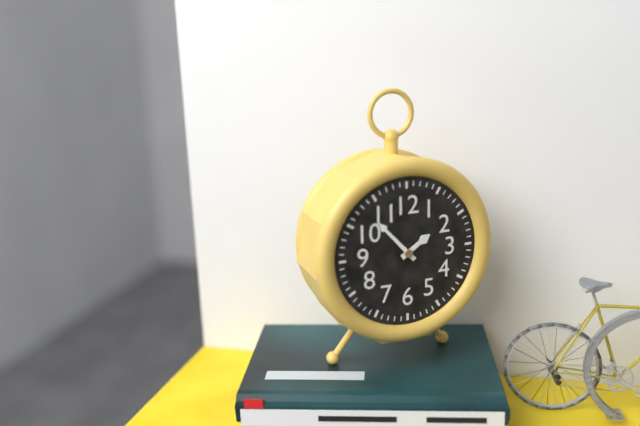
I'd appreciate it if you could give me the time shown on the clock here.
1:53
